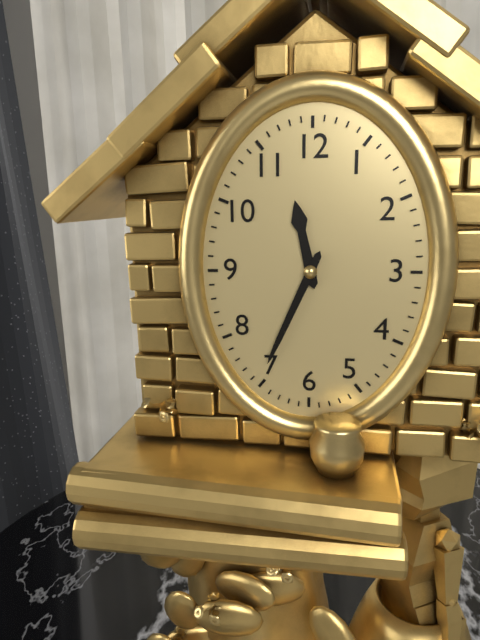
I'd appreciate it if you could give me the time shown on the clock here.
11:34
